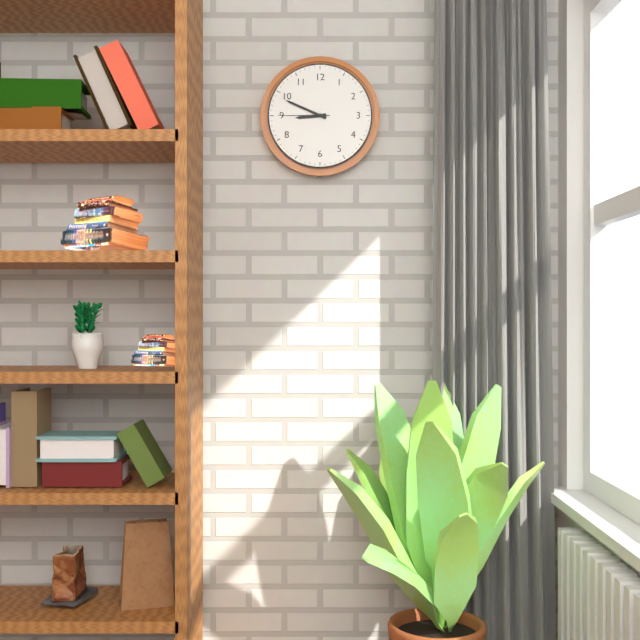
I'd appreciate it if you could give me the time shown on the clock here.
8:49:45
